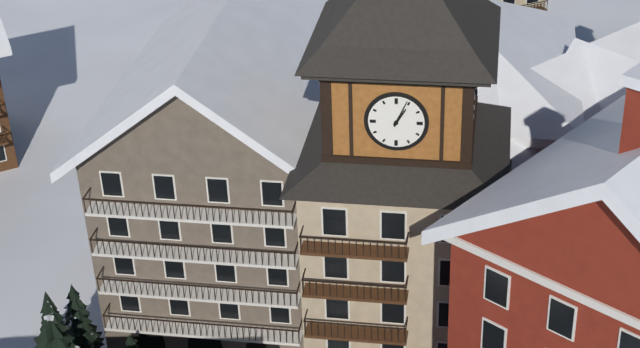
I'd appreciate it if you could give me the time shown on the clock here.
1:04
